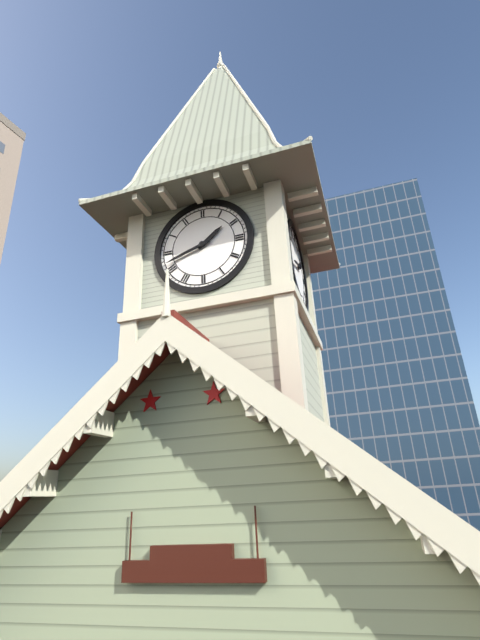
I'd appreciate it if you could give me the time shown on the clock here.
1:42
